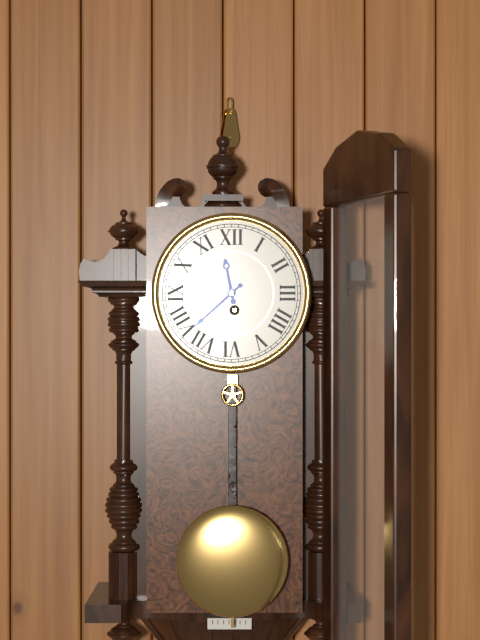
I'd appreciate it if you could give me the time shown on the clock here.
11:38
